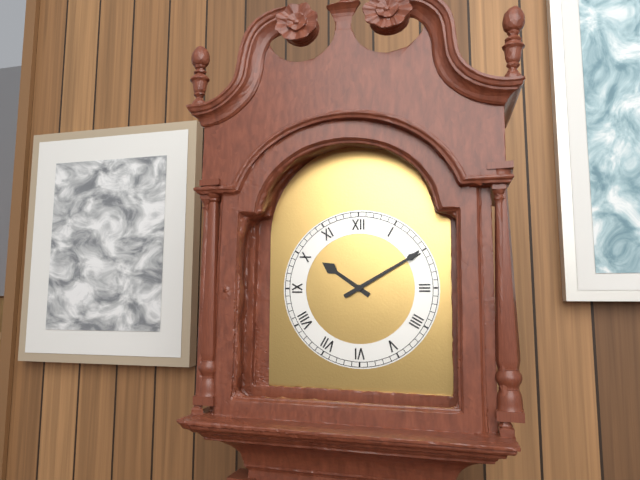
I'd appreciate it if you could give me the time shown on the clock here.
10:10
